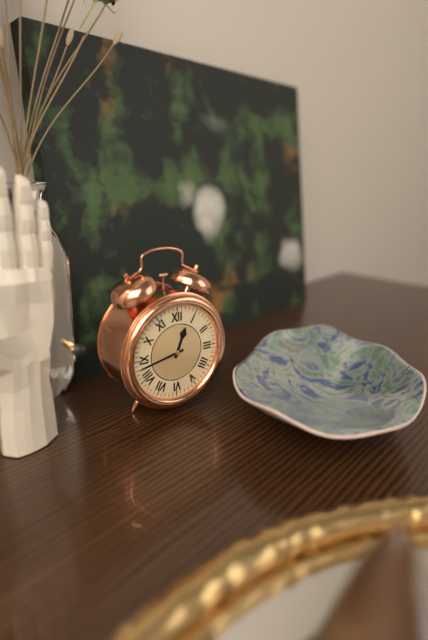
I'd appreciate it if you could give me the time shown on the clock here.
12:43
